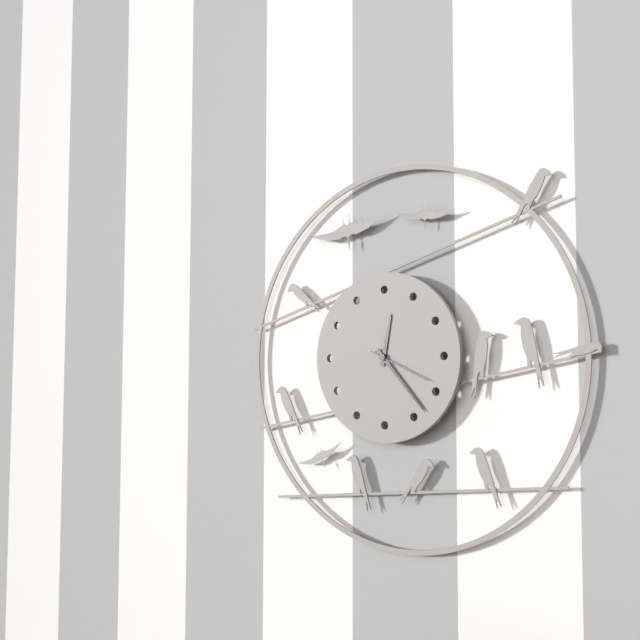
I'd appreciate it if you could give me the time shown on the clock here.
12:23:19
